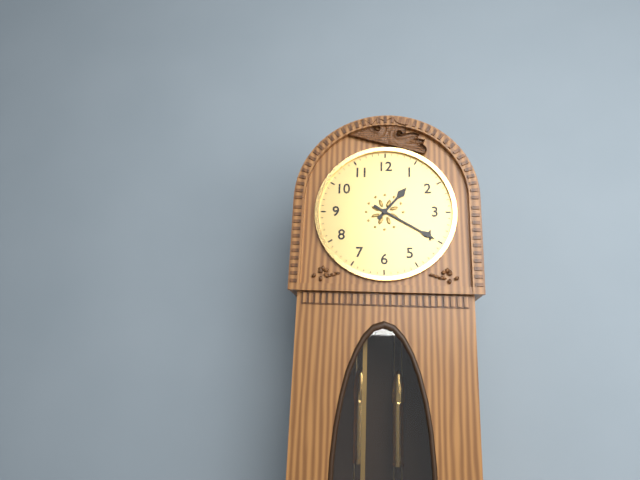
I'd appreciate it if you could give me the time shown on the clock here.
1:20
